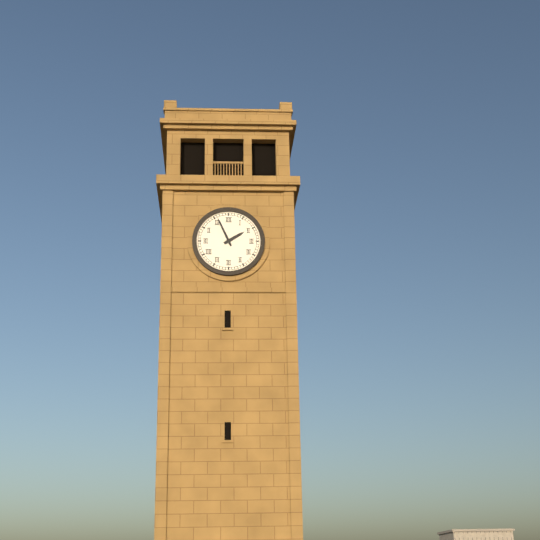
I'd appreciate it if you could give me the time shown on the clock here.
1:56
